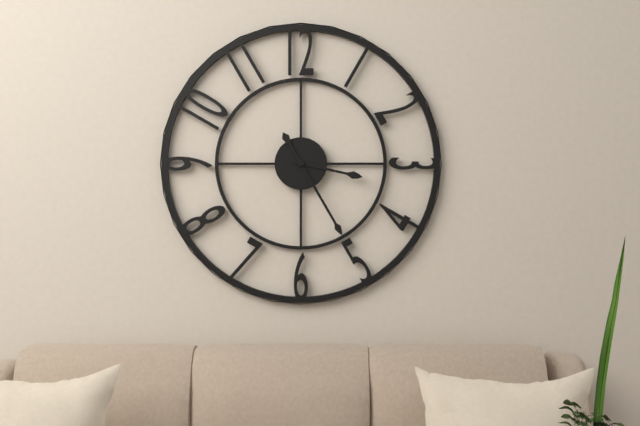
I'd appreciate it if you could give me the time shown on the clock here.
3:25
